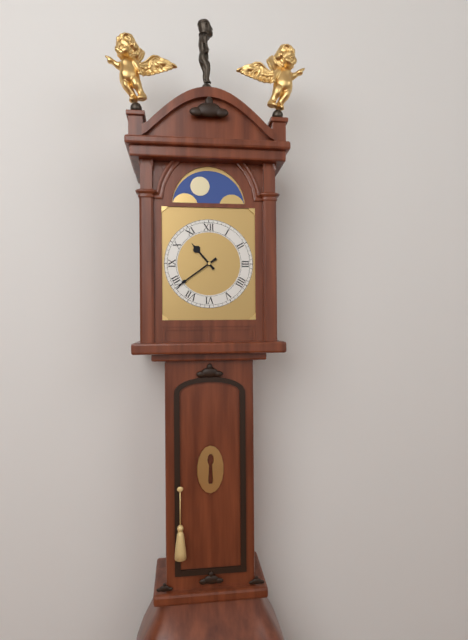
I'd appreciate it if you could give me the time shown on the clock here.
10:39
